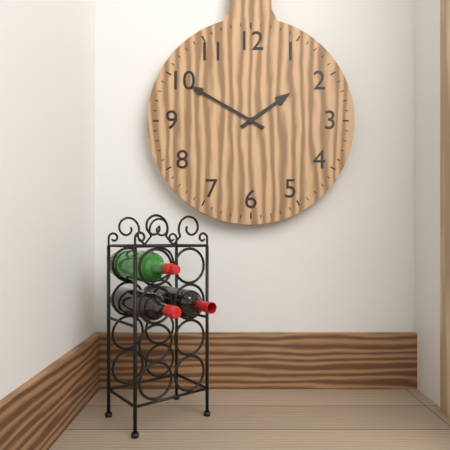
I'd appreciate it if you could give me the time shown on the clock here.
1:50
